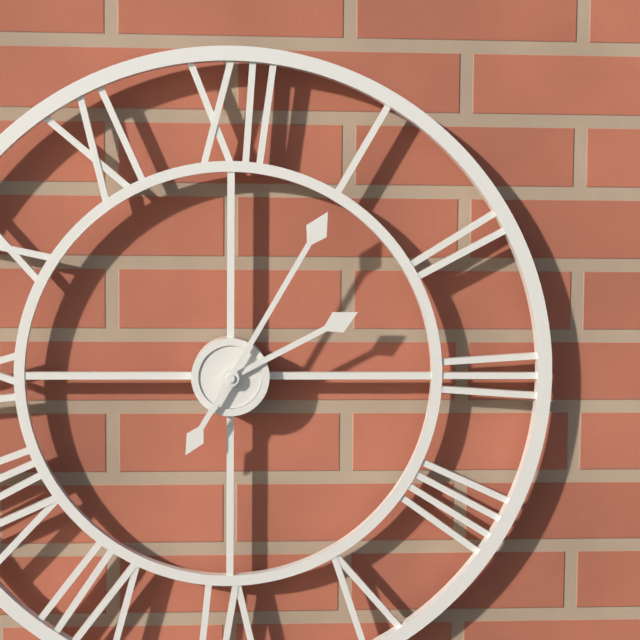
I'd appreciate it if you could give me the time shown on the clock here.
2:05
